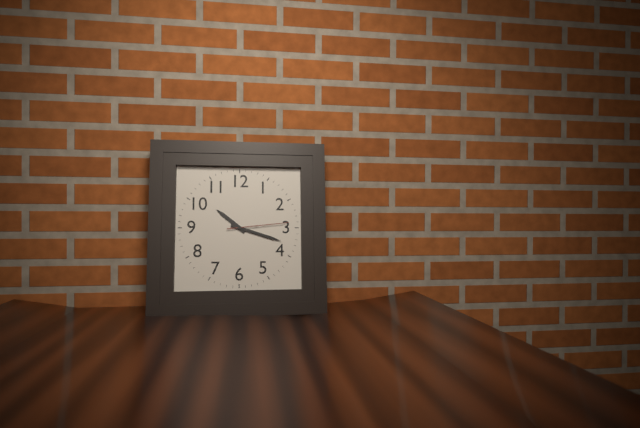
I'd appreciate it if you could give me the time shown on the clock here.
10:18:14
